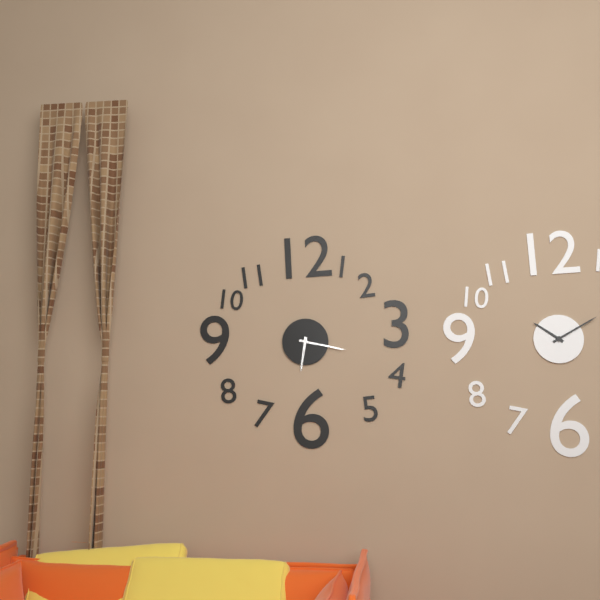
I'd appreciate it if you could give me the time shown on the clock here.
6:17
